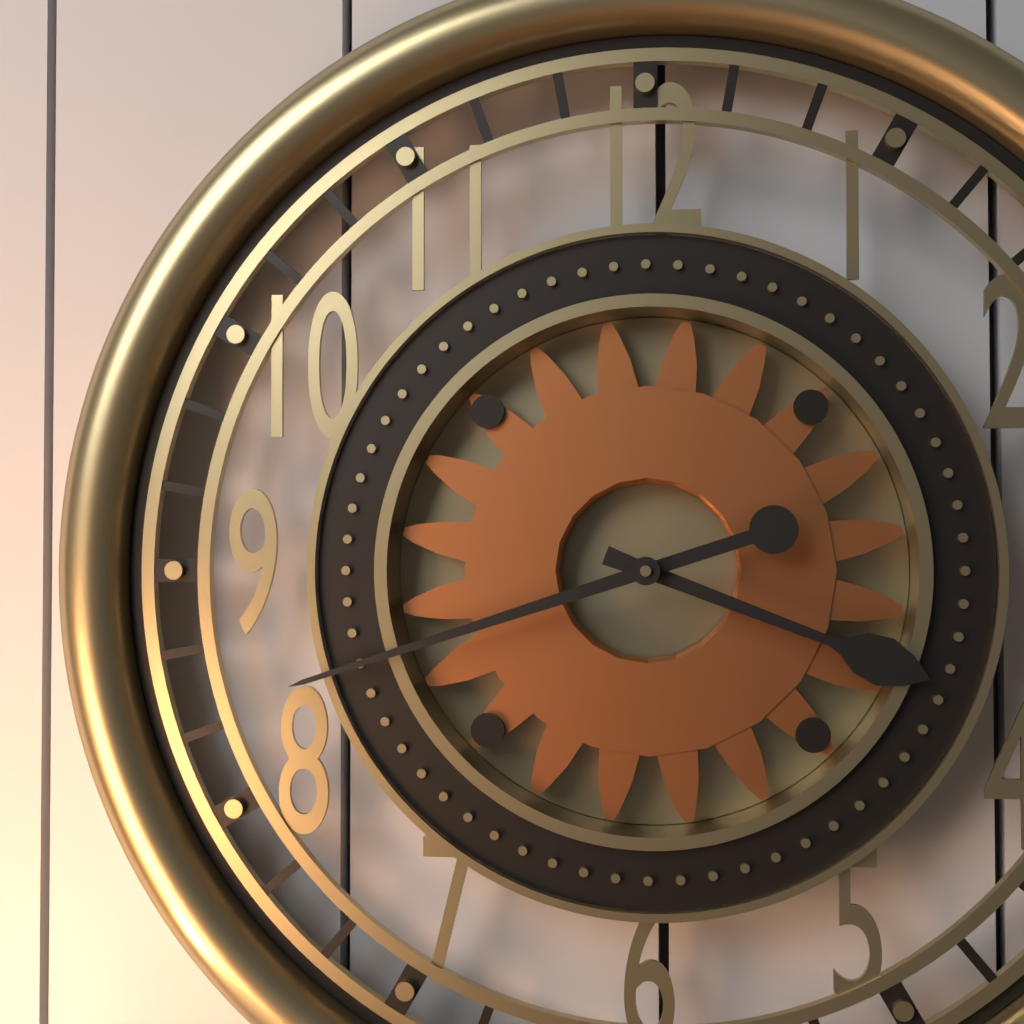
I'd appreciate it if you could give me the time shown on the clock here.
3:42
